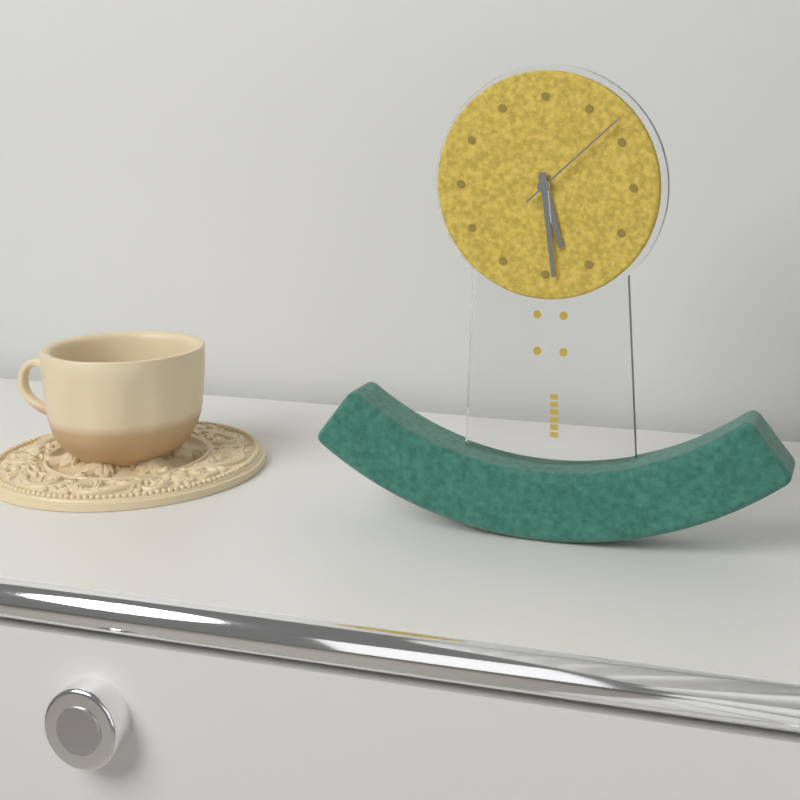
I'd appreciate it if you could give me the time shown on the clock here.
5:29:08
